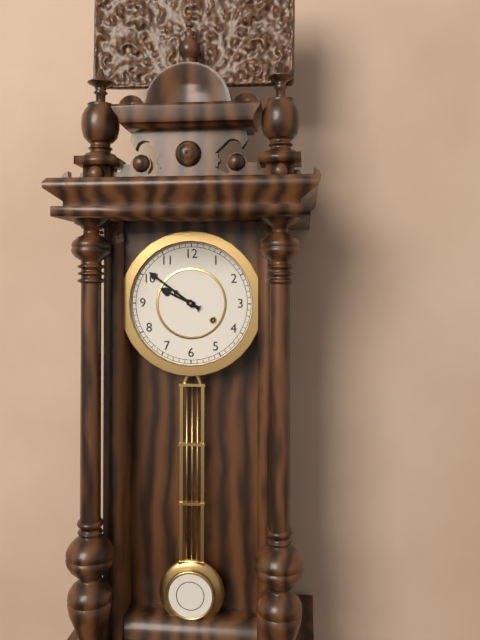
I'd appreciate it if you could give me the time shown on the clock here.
9:51
